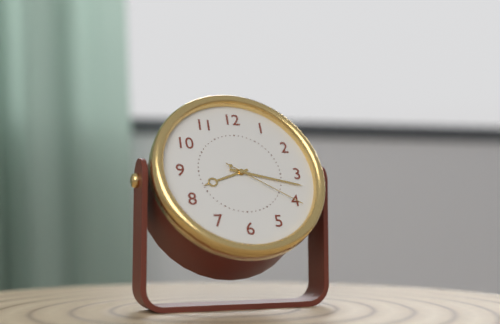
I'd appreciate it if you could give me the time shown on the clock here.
8:17:20
